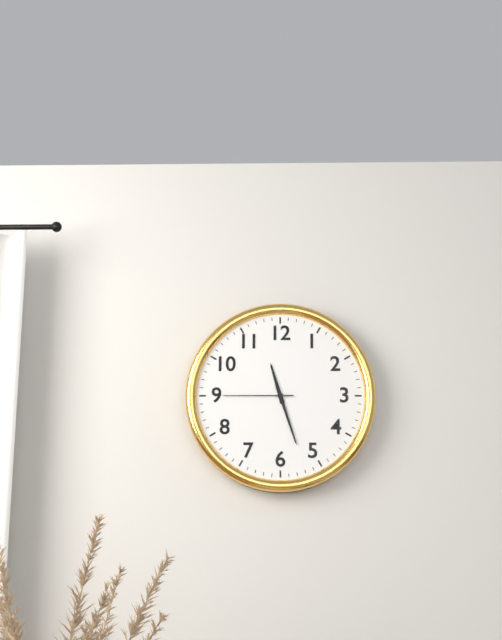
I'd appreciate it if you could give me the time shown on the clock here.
11:27:45
